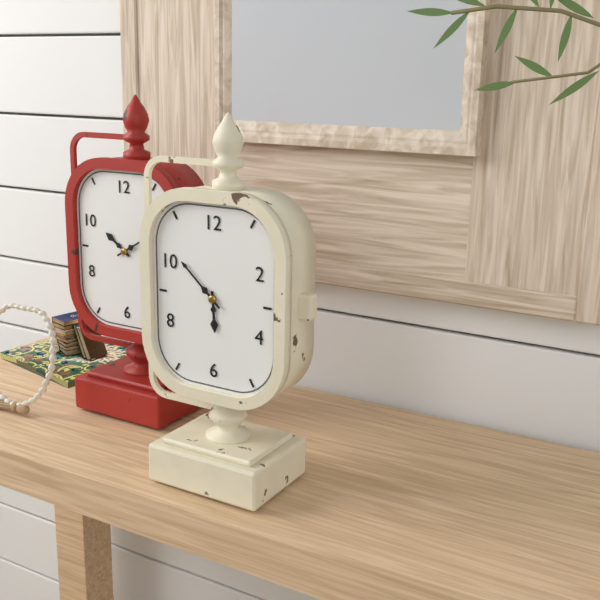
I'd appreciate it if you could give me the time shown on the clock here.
5:52
